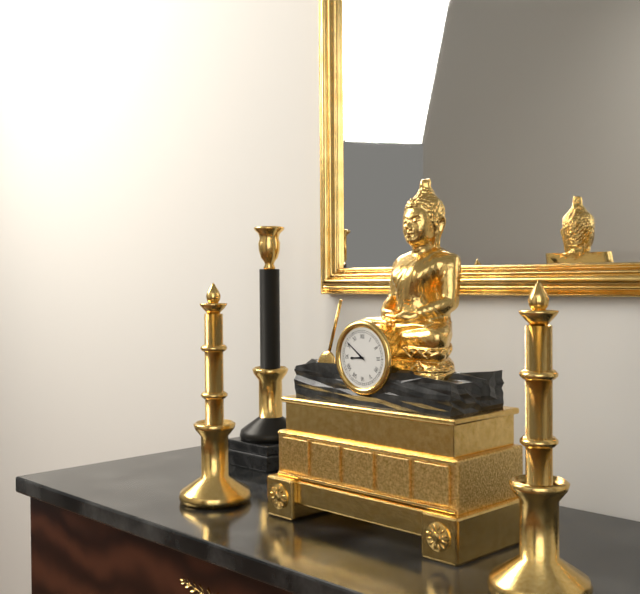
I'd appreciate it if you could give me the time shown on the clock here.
8:51
